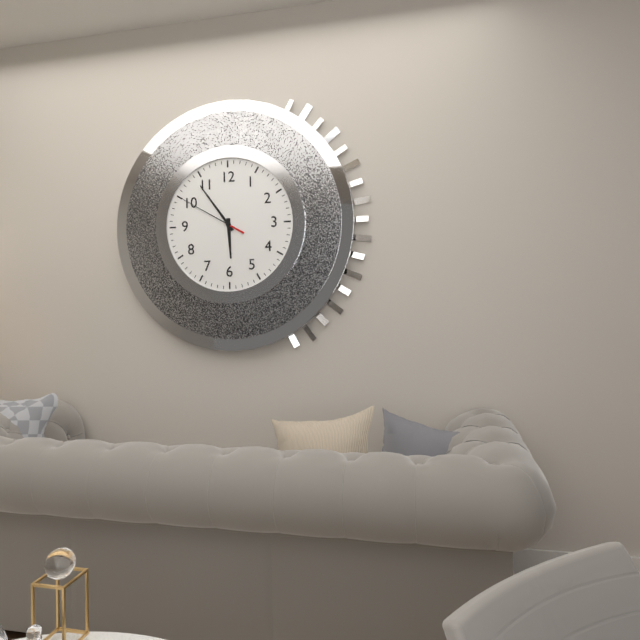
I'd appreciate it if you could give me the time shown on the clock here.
5:54:50
